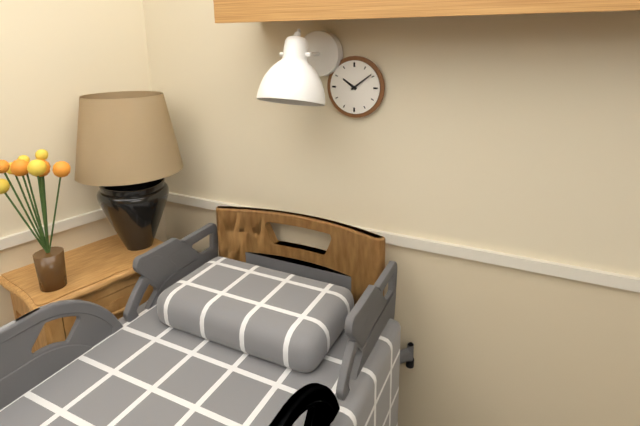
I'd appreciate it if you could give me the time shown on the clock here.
10:09
